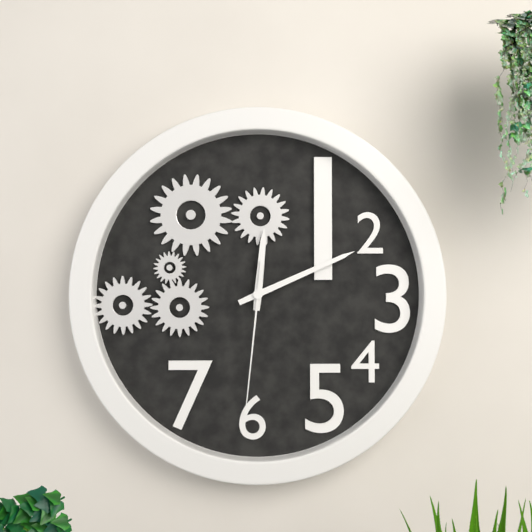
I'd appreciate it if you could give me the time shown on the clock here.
12:11:31
